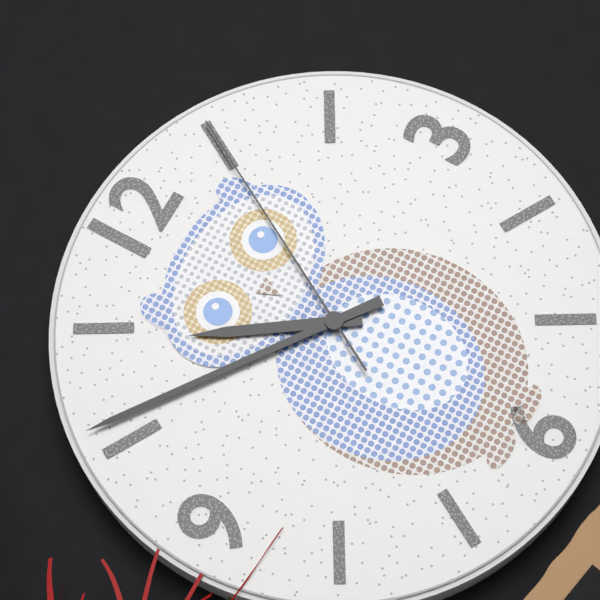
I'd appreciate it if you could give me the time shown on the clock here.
10:51:05
